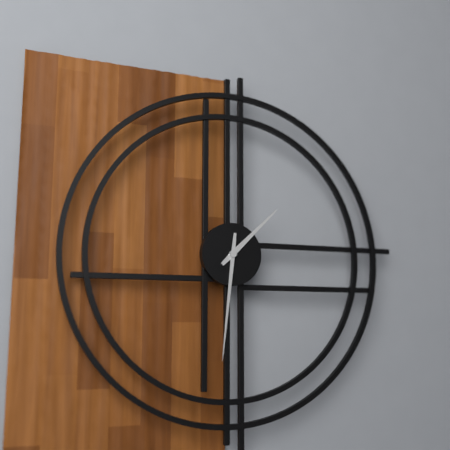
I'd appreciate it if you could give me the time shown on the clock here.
1:31
